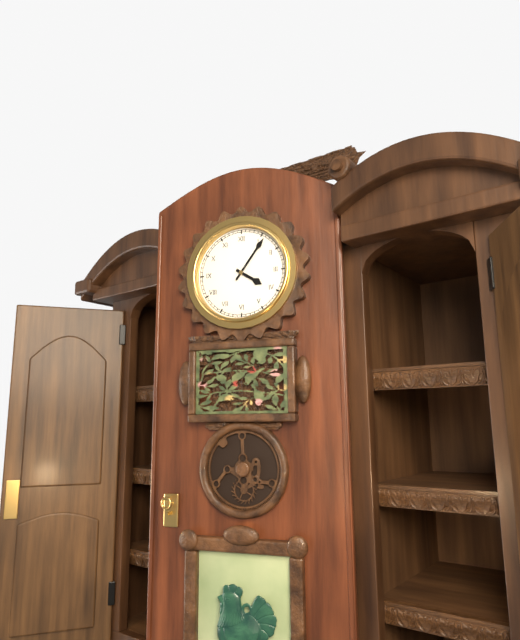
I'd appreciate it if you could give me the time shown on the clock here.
4:06
